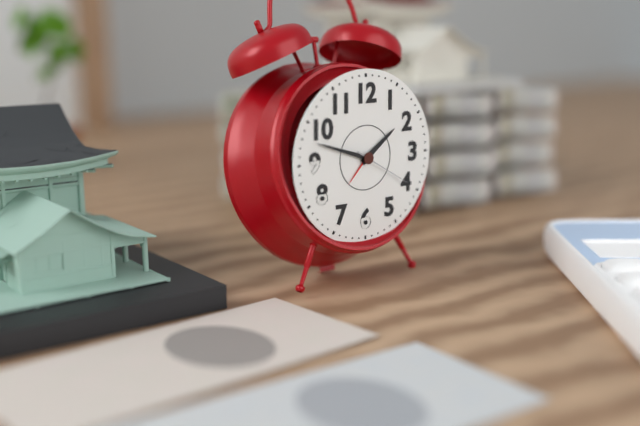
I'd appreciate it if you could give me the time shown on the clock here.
1:48:20
